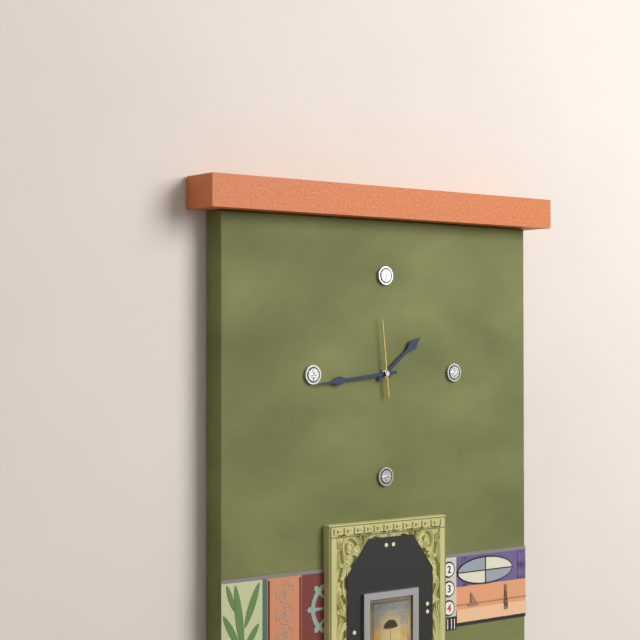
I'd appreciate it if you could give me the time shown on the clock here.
1:44:59
